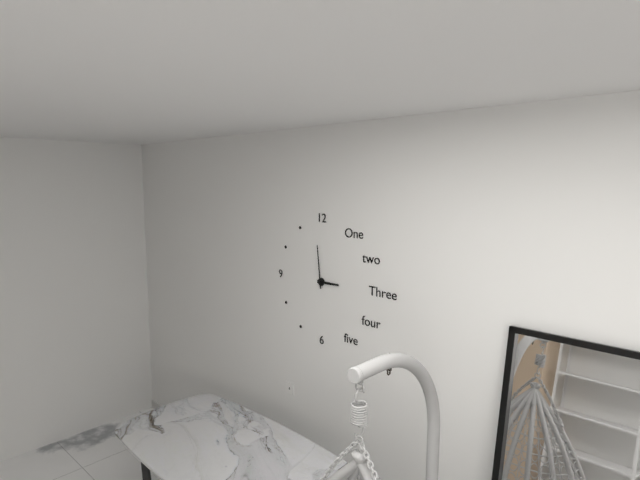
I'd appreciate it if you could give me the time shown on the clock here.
2:59
